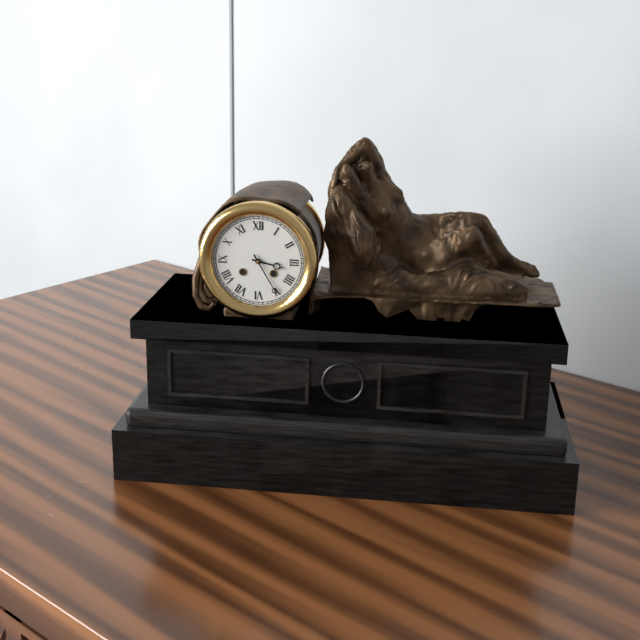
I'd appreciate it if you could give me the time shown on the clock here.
3:25
